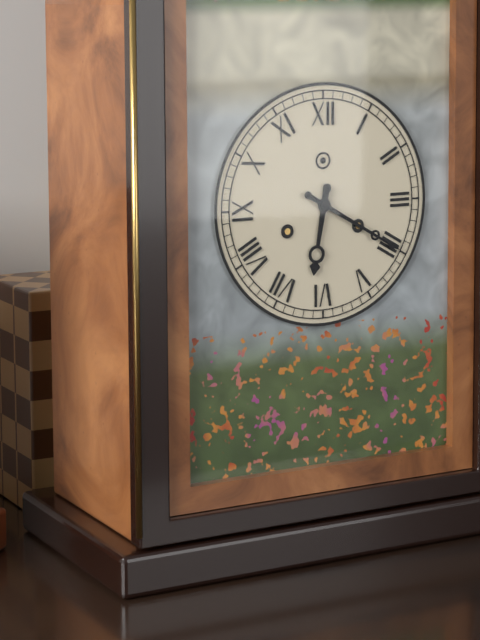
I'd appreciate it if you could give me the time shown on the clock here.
6:20
